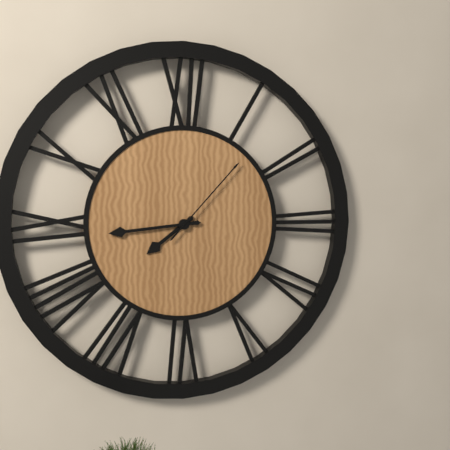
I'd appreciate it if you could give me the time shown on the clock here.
7:44:07
